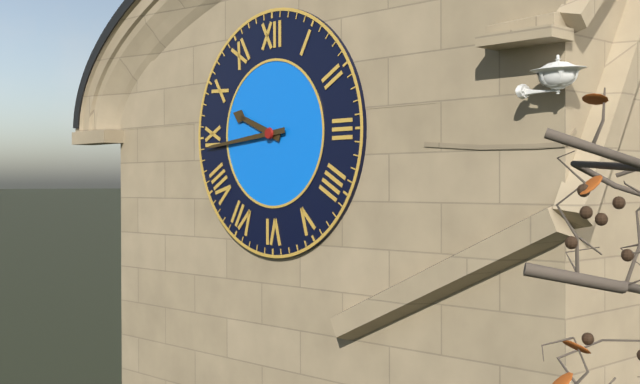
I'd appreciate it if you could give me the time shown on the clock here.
9:44
